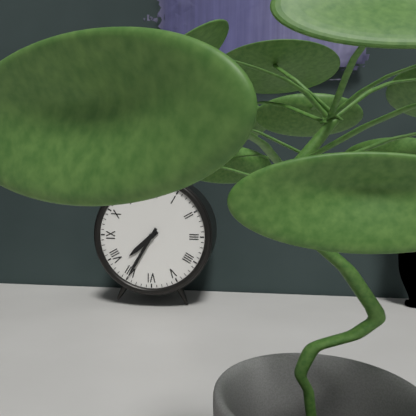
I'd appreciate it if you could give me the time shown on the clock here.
7:35
